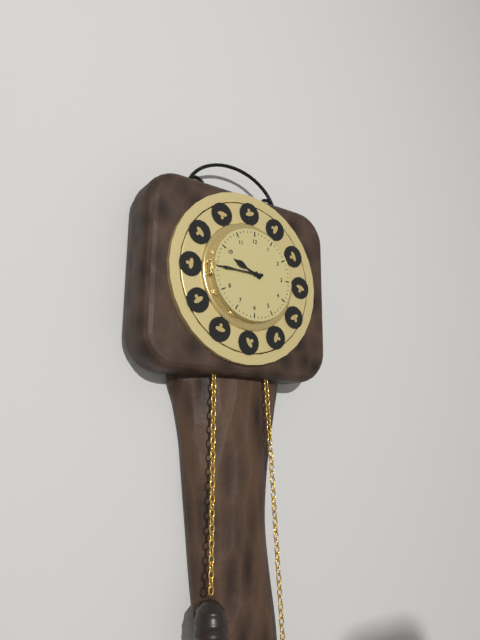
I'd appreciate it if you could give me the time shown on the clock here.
9:45
